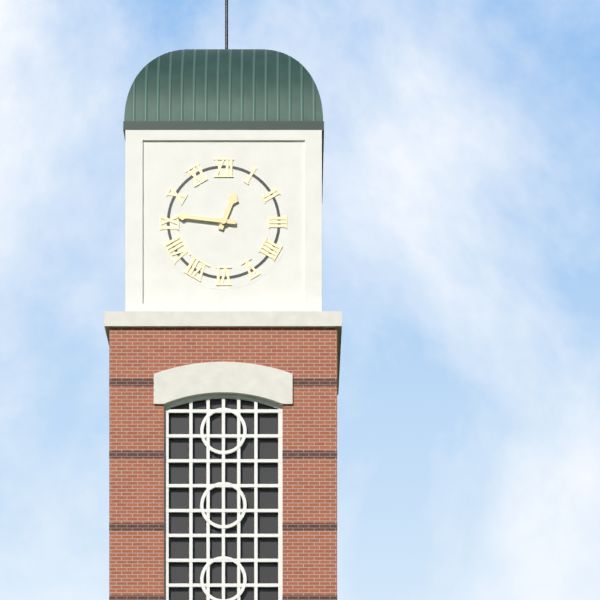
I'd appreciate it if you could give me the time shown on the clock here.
12:46
